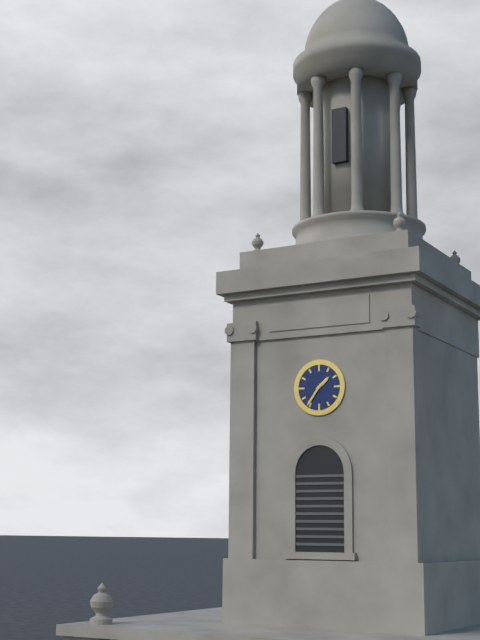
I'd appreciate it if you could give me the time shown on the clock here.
1:36
